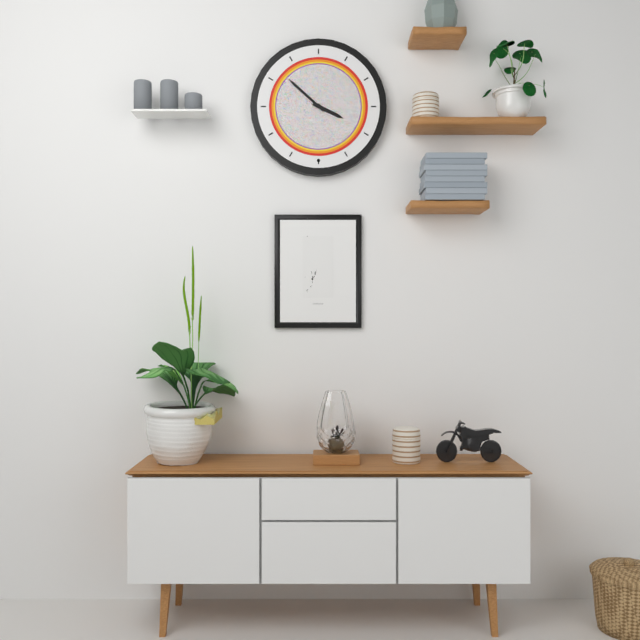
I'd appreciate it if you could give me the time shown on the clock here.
3:52
